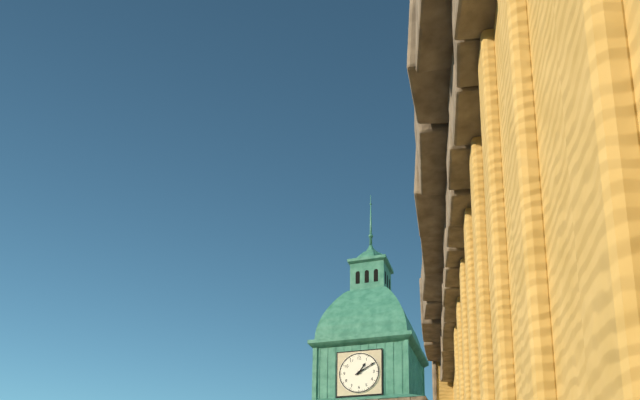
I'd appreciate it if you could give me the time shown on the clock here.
1:10
